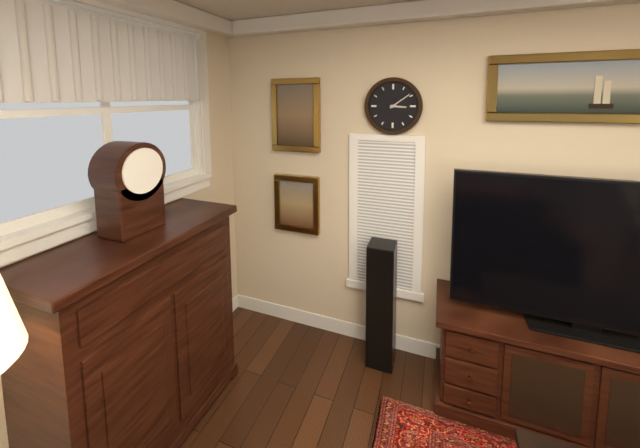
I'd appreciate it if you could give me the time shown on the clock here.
3:09
